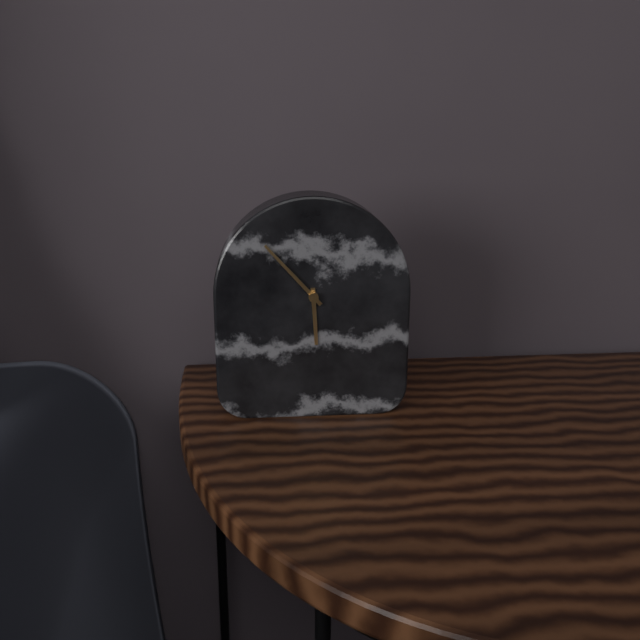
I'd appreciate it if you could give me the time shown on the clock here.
5:53
